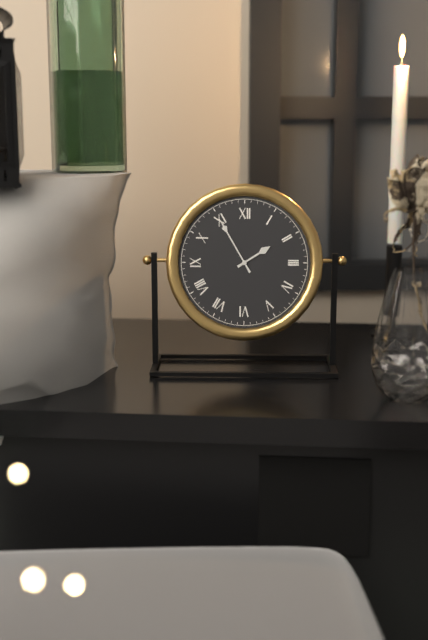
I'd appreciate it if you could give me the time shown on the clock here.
1:55
